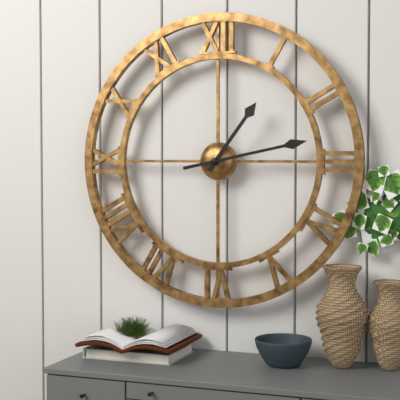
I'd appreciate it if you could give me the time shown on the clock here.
1:13
